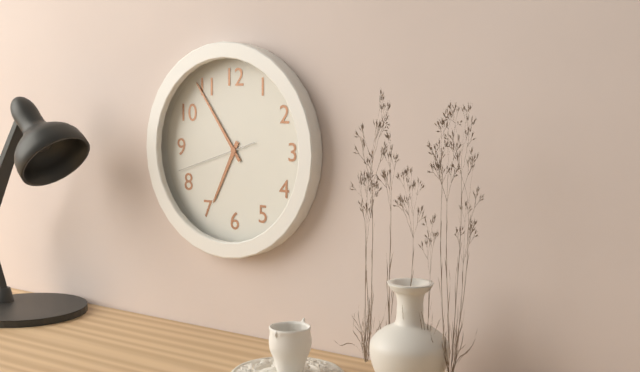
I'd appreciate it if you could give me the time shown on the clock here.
6:54:42
